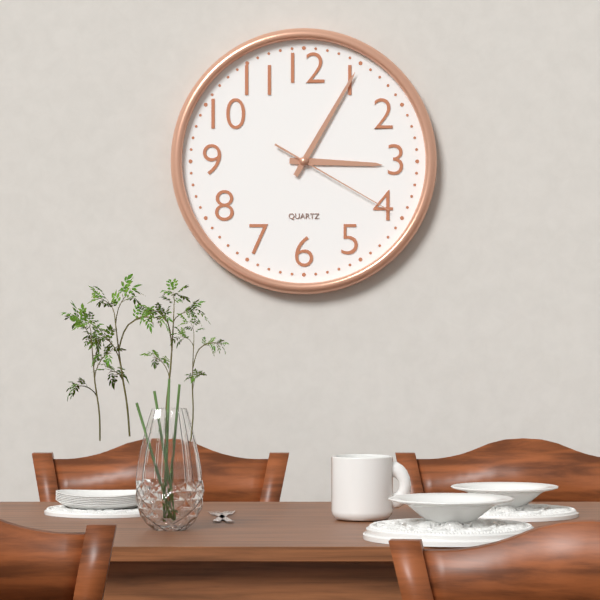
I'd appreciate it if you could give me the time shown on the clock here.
3:05:20
